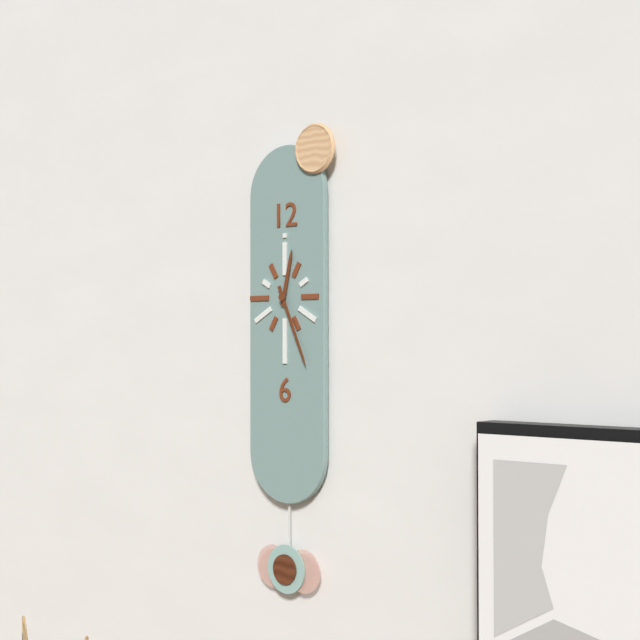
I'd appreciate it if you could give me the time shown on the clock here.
12:26
